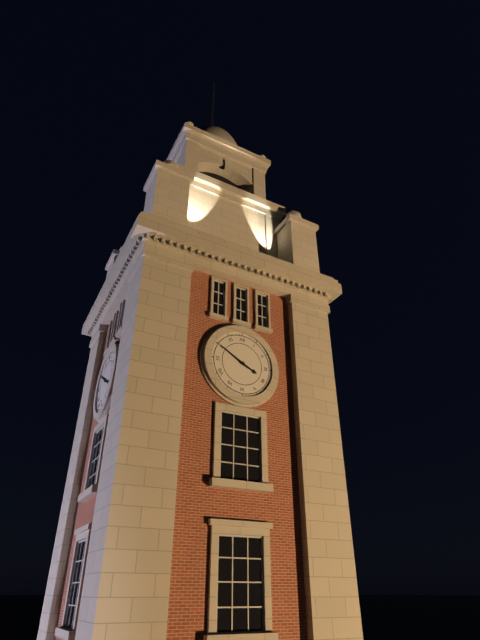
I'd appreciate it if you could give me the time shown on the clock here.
3:50
